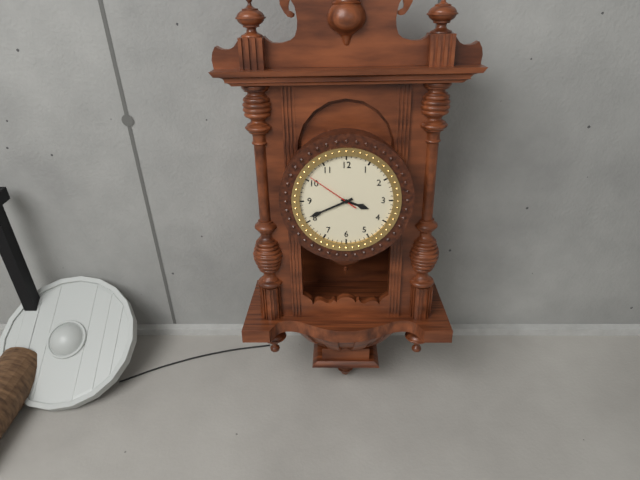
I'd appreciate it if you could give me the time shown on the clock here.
3:41:51
